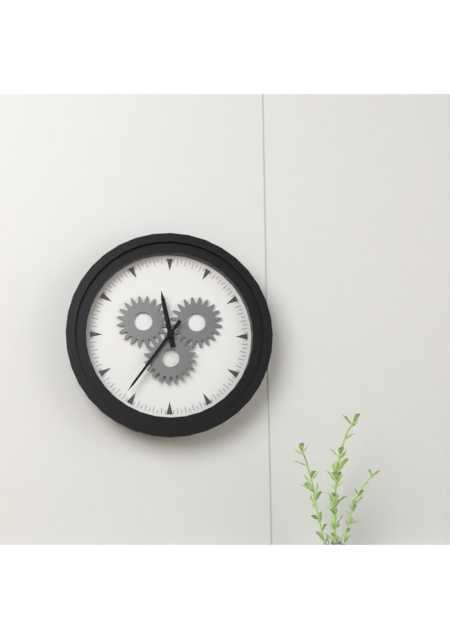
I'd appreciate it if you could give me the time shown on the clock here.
11:36
